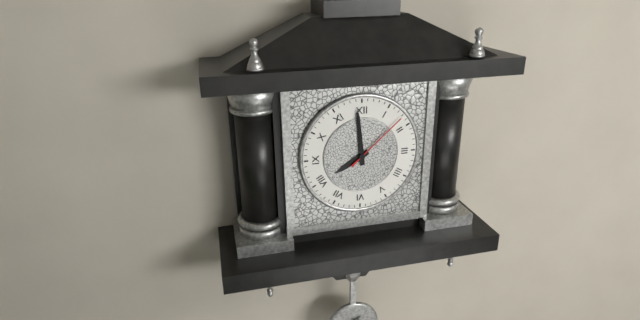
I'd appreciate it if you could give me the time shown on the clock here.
7:59:08
